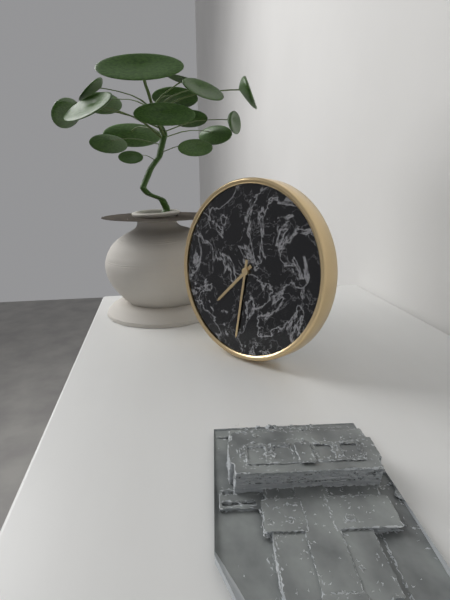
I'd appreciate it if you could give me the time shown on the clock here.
7:31
